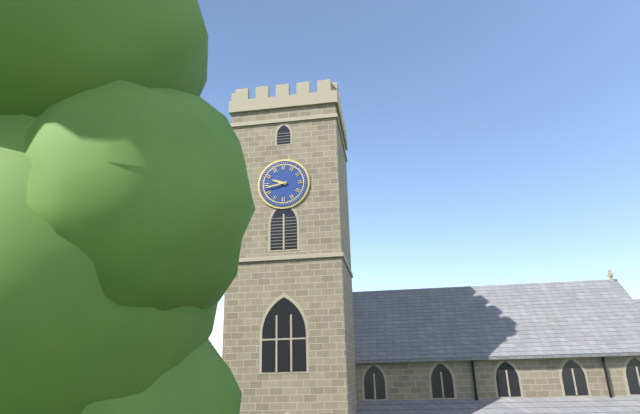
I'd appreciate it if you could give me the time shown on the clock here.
9:43
